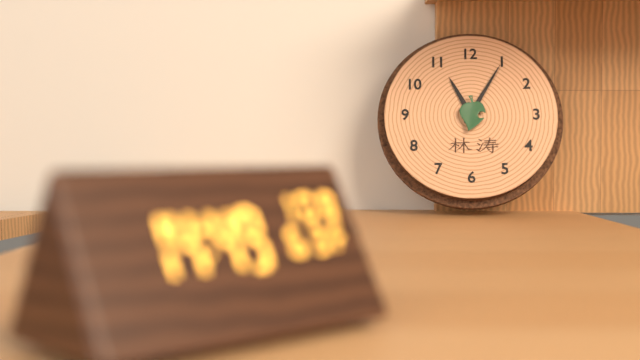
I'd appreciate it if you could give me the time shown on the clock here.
11:05
